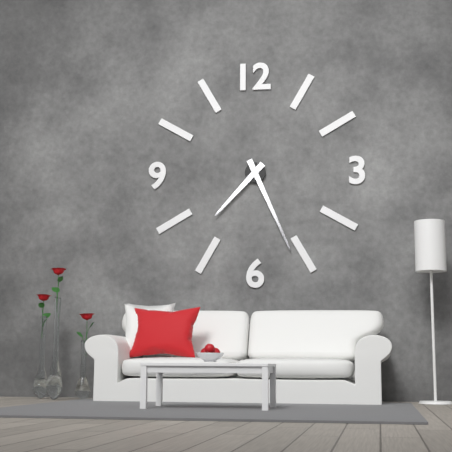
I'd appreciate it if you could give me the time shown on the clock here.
7:26
